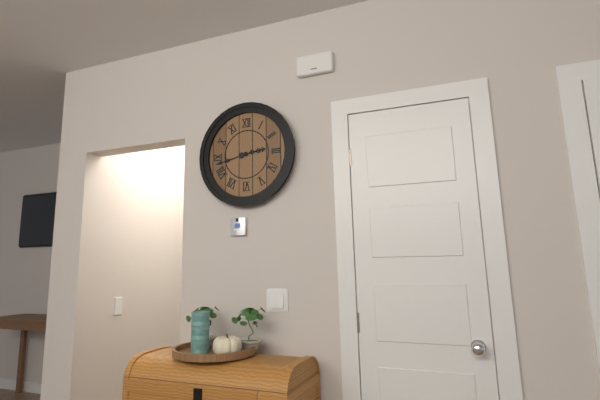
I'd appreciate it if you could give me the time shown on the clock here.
2:43
